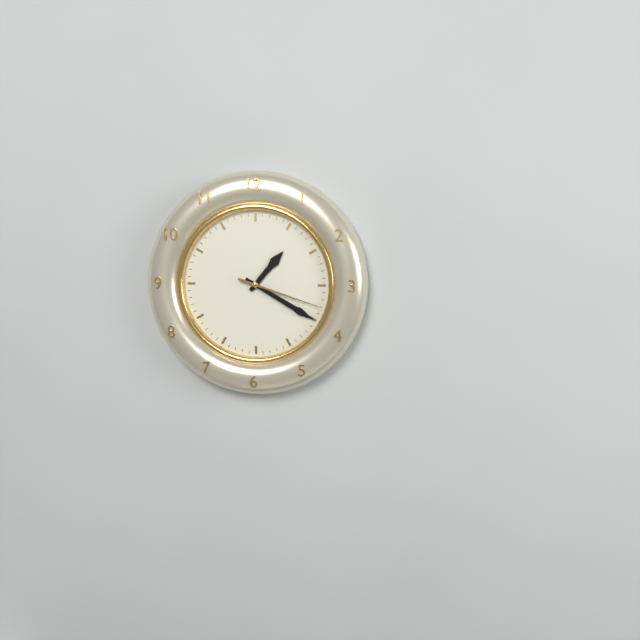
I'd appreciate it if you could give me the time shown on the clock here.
1:20:18
